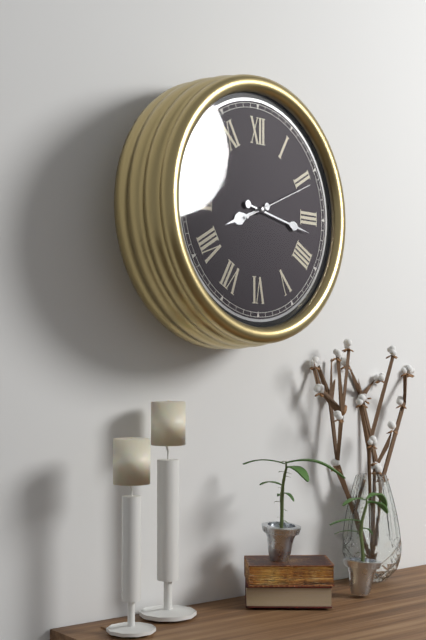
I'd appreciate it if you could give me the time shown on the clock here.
8:17:11
